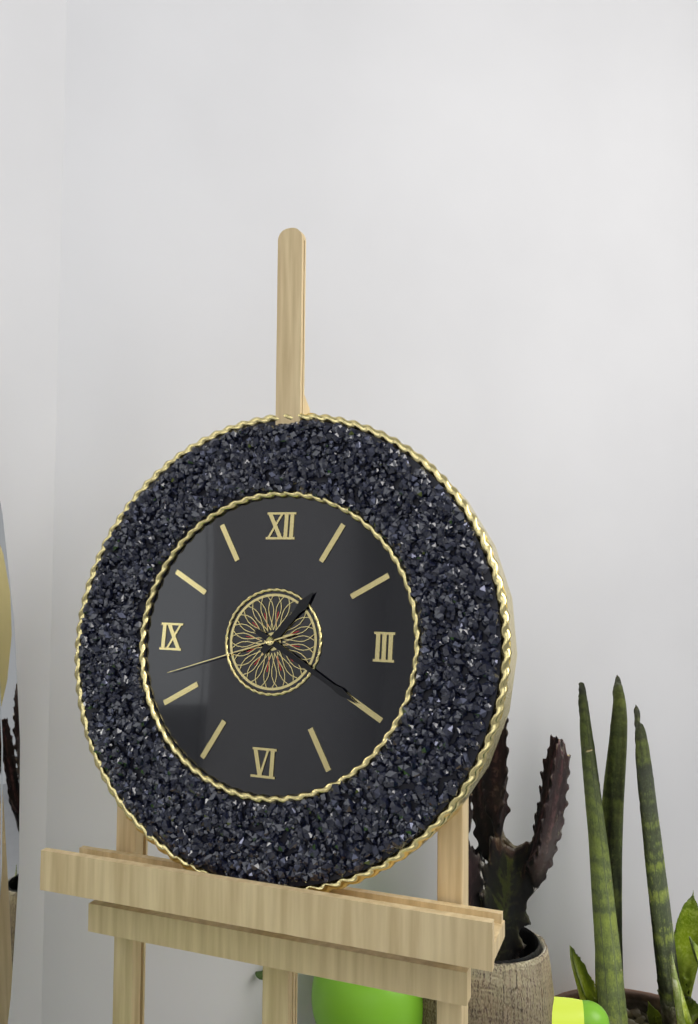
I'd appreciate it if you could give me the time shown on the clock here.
1:20:42
